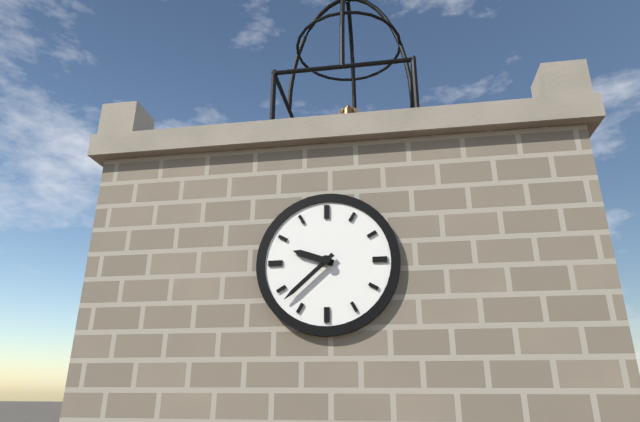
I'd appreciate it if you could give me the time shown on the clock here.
9:38
